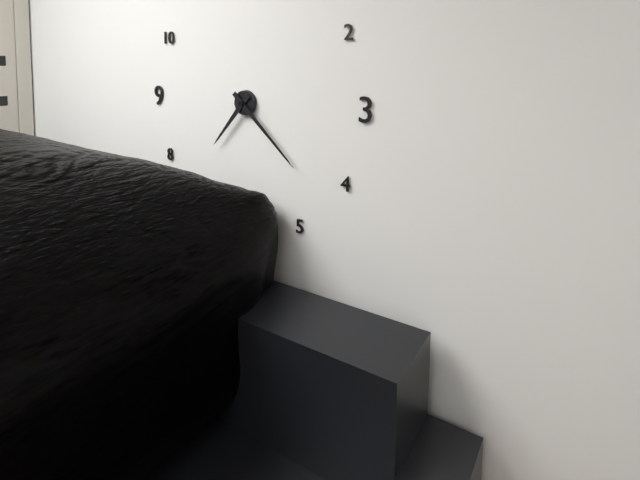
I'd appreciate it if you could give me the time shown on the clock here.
7:22
